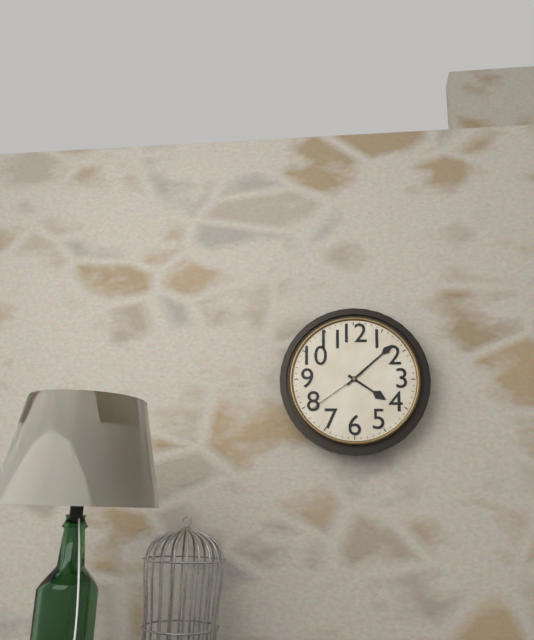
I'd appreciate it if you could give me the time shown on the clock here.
4:08:39
